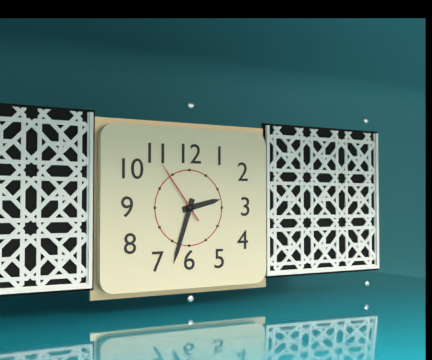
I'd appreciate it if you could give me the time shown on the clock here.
2:33:54
